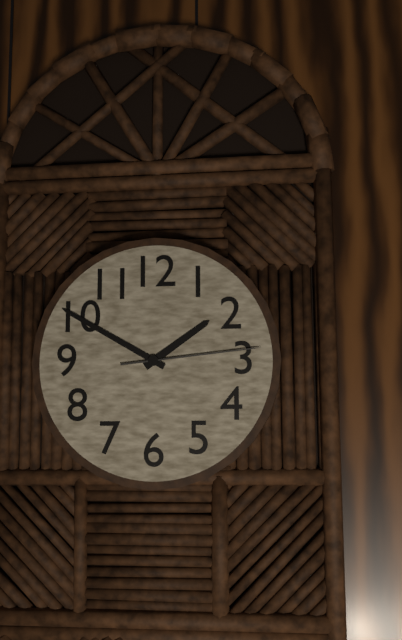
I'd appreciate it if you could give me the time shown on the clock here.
1:50:14
